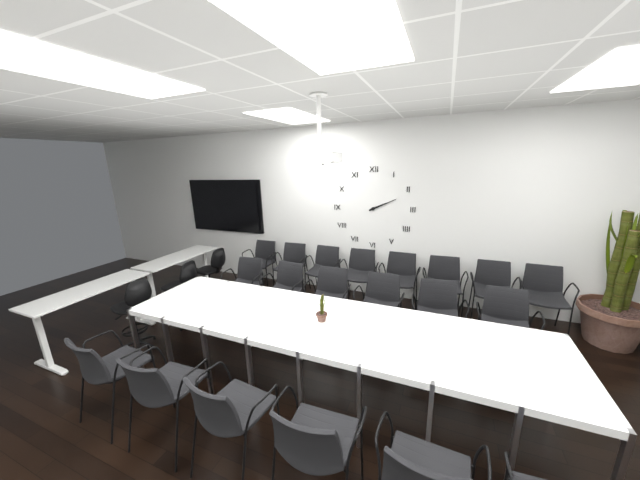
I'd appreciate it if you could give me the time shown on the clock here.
2:11
